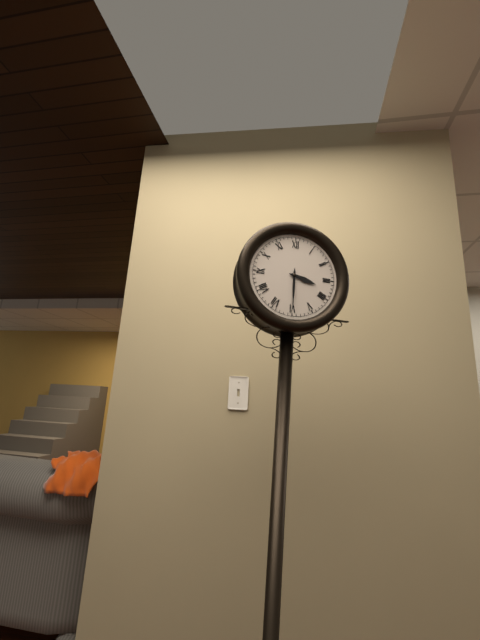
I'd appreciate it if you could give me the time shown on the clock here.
3:30
